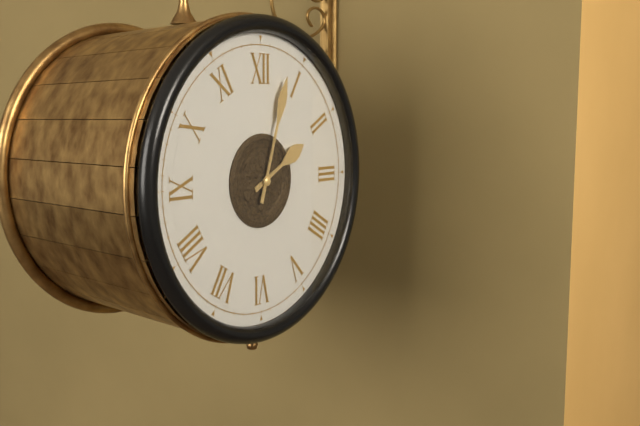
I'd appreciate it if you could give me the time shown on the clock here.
2:03
